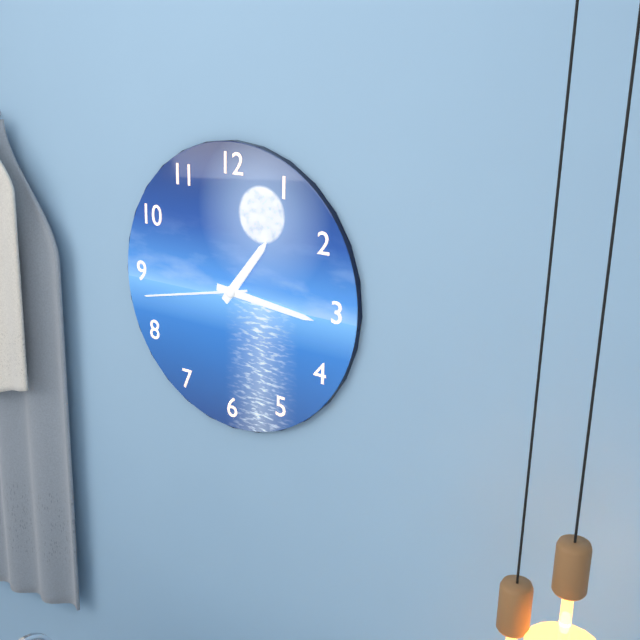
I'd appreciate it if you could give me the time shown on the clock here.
1:16:43
